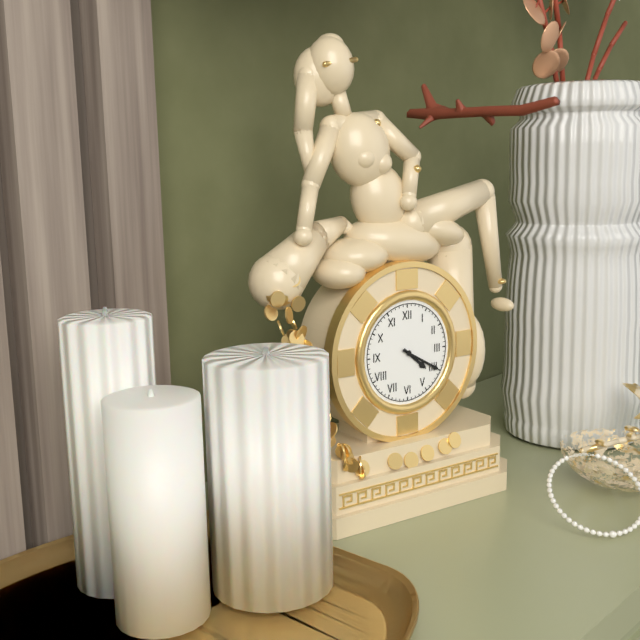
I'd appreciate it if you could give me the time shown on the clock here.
4:20
